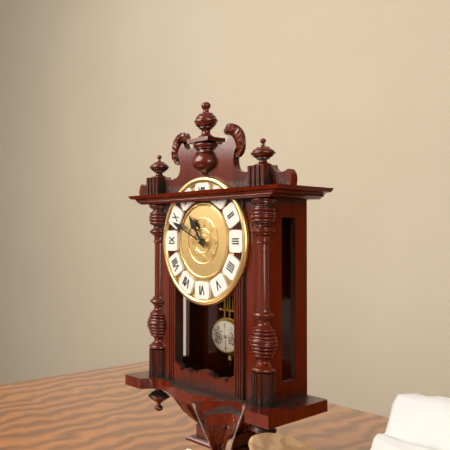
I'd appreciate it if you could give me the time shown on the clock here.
10:49
